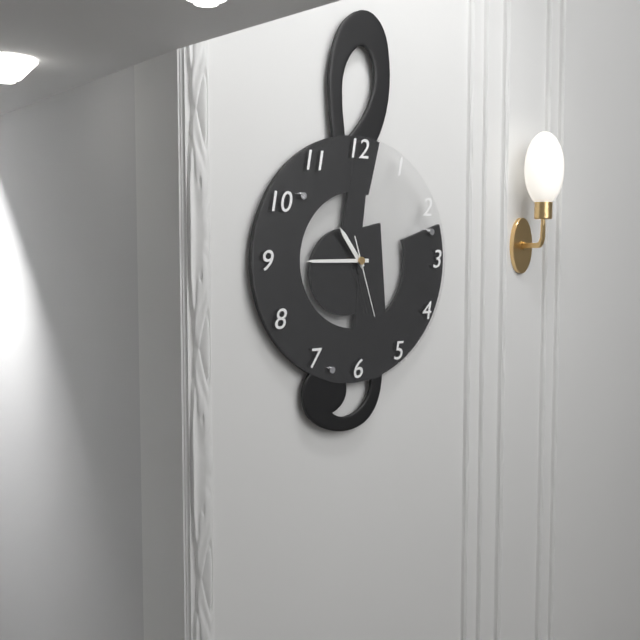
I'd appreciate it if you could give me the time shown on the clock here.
10:45:27
